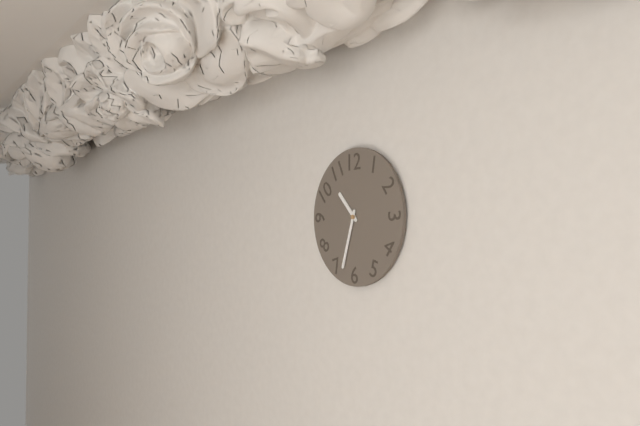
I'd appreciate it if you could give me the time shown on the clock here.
10:33
